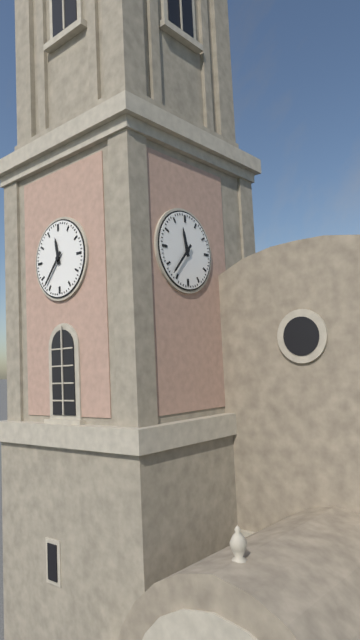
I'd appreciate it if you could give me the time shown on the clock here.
11:37
